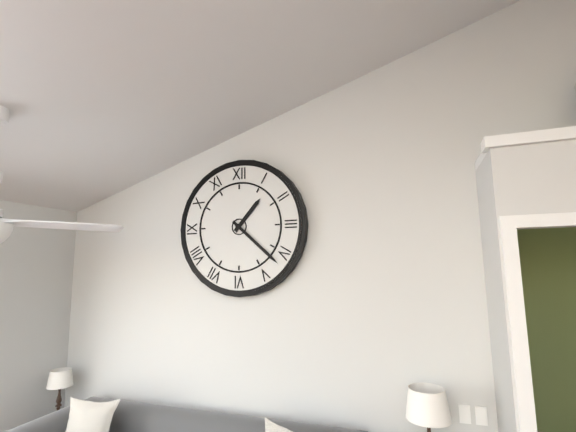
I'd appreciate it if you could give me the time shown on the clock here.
1:22
